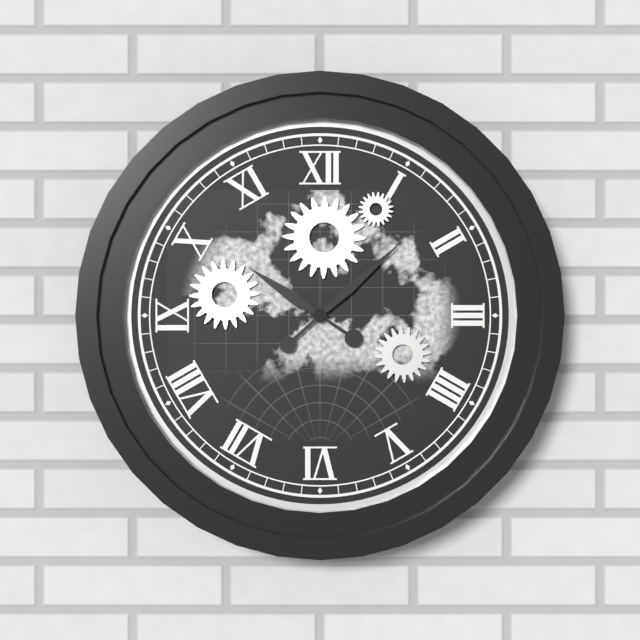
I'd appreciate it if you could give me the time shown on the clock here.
10:08
